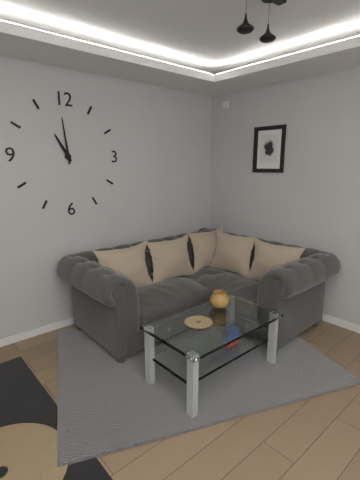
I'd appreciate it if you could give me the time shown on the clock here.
10:59
